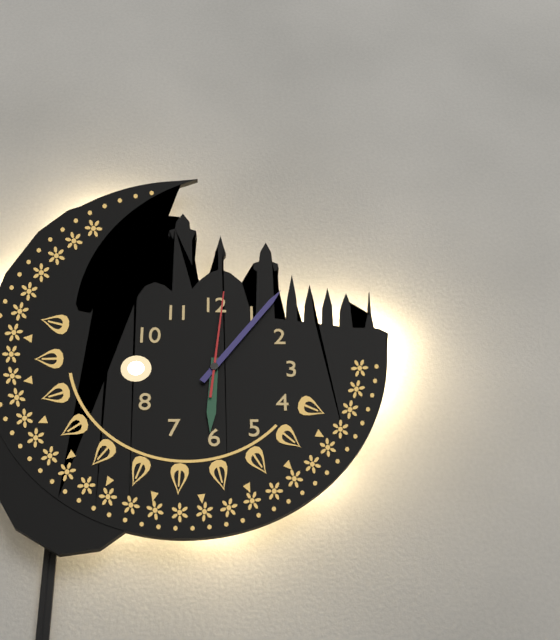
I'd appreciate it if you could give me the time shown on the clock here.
6:06:01
